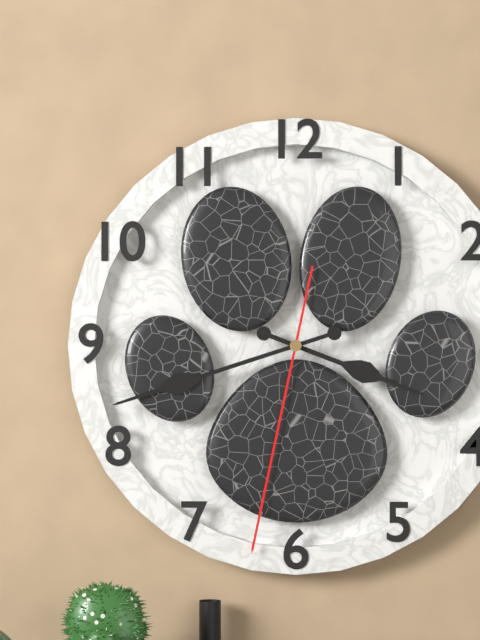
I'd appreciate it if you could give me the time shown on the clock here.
3:42:32
